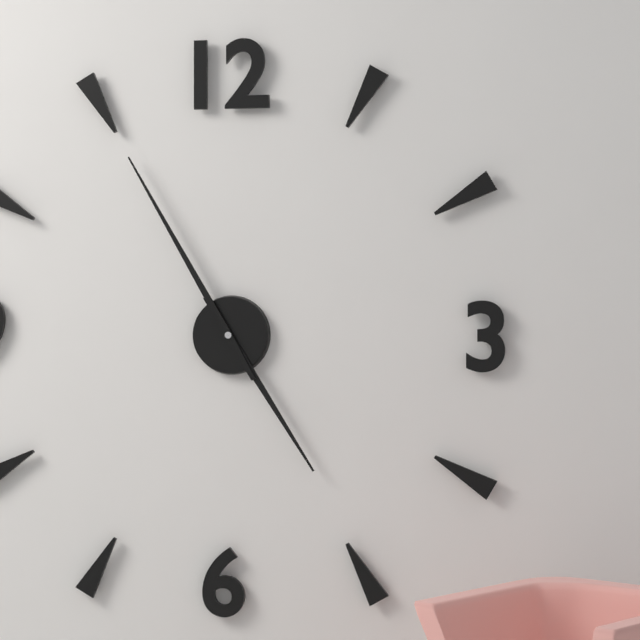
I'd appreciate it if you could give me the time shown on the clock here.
4:55
